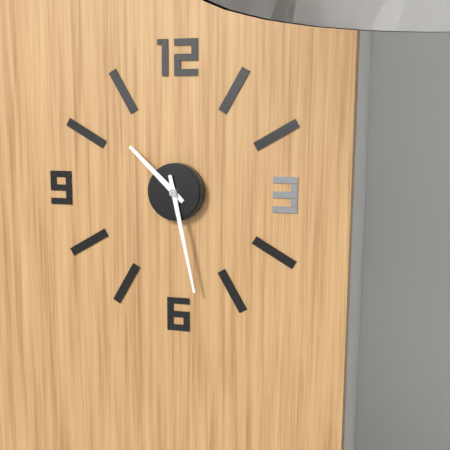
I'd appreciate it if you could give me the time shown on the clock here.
10:28
